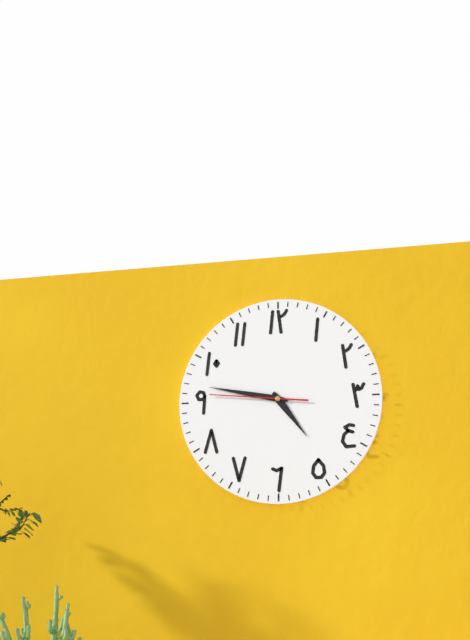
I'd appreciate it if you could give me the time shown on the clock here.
4:47:46
